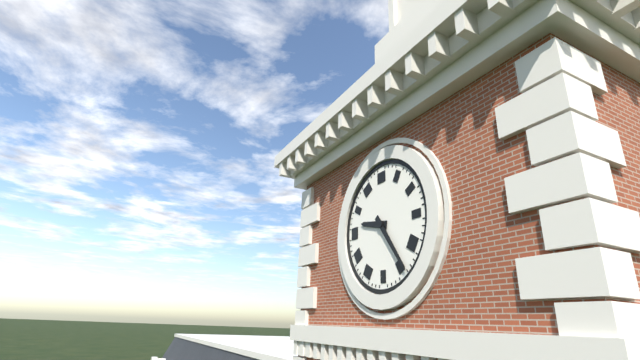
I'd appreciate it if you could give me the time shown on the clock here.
9:24
